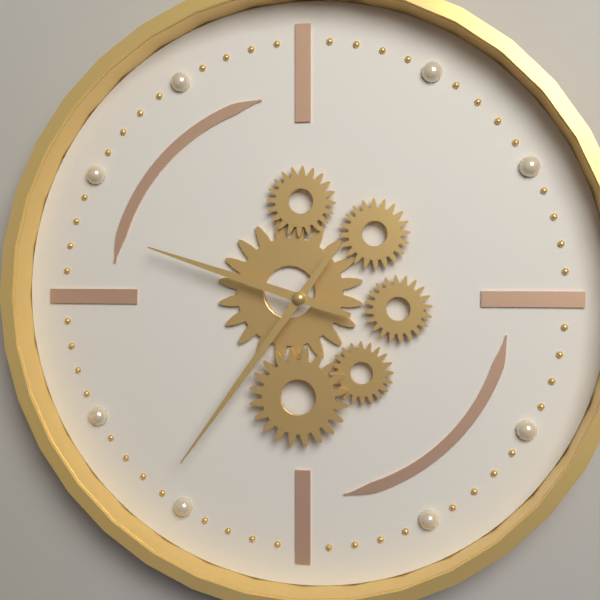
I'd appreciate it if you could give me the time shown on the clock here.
9:36
